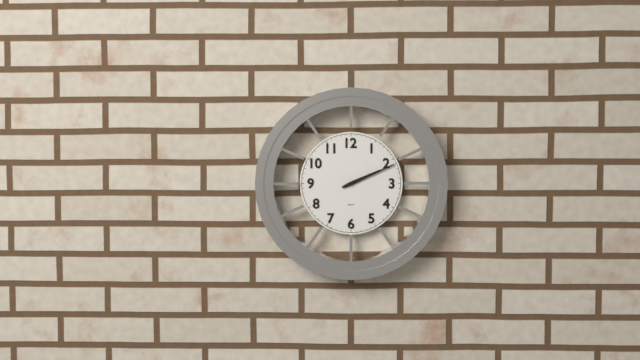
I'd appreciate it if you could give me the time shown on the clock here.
2:11
